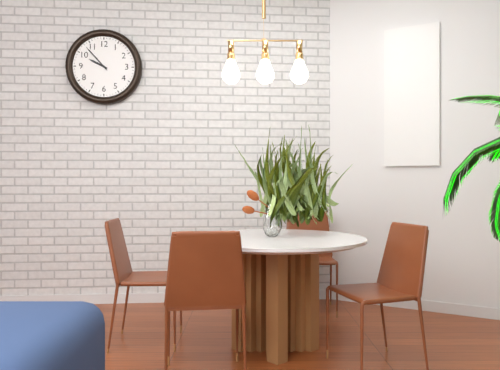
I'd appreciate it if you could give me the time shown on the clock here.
9:53
